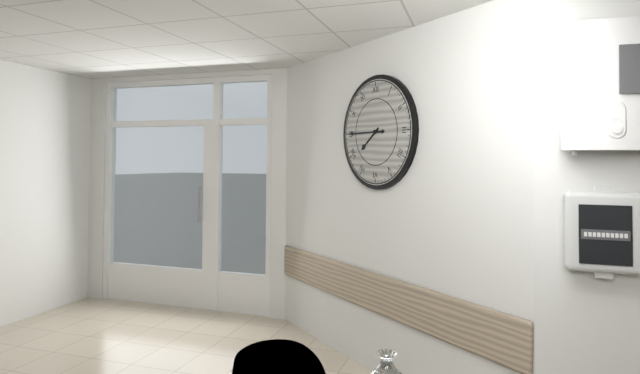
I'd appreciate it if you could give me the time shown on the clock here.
7:45
